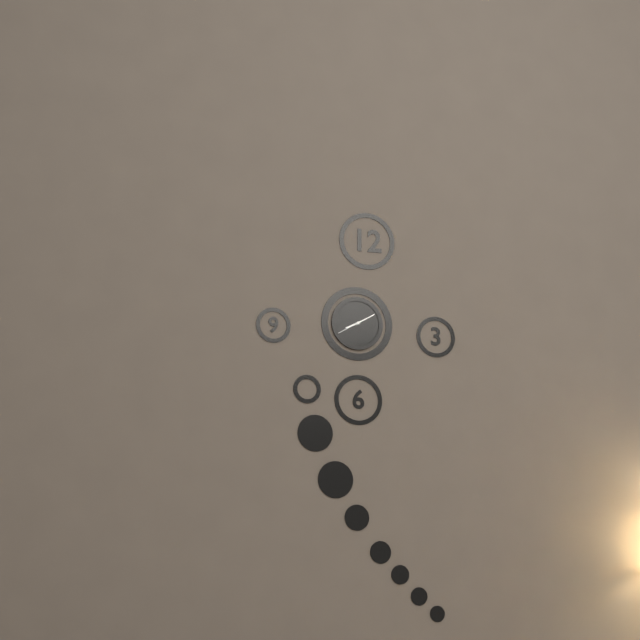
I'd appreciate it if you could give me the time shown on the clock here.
8:10
